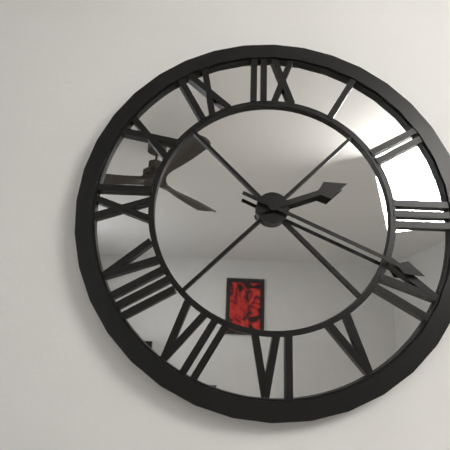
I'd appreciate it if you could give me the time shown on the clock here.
2:19
